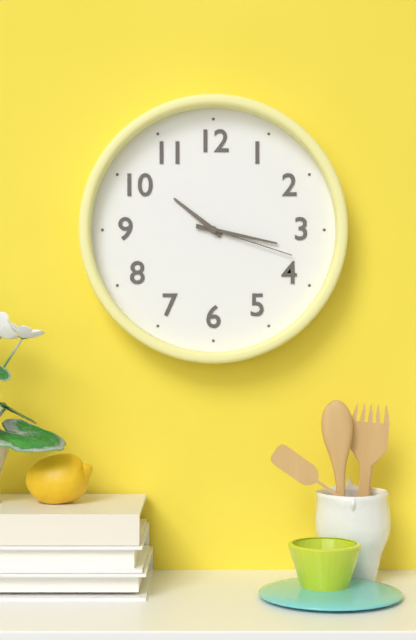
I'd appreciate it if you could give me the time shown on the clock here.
10:17:18
